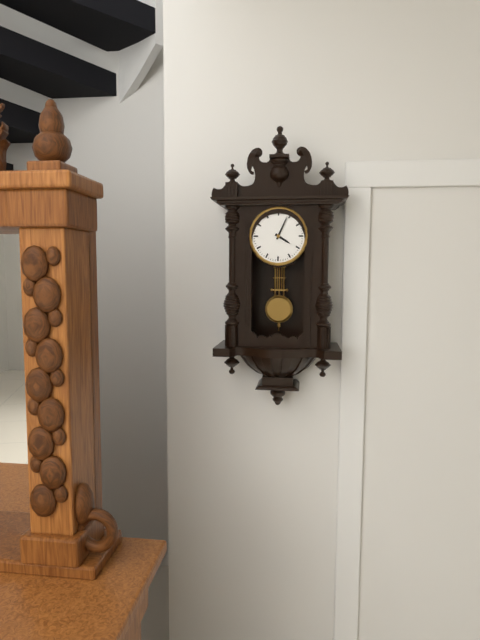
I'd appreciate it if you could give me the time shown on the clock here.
4:04
